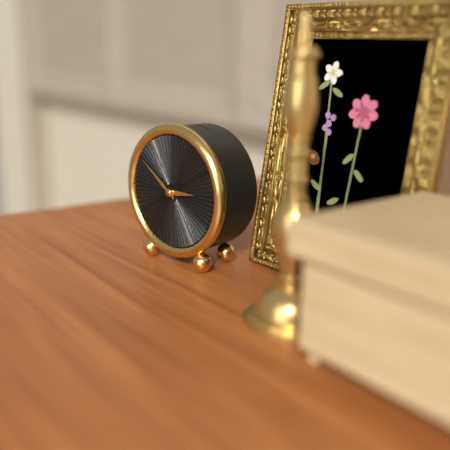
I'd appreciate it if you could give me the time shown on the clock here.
2:51
